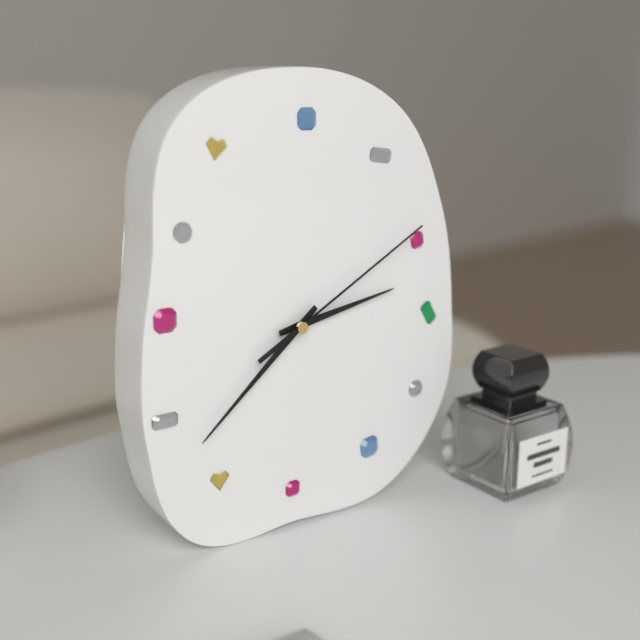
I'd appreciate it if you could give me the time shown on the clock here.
2:38:10
